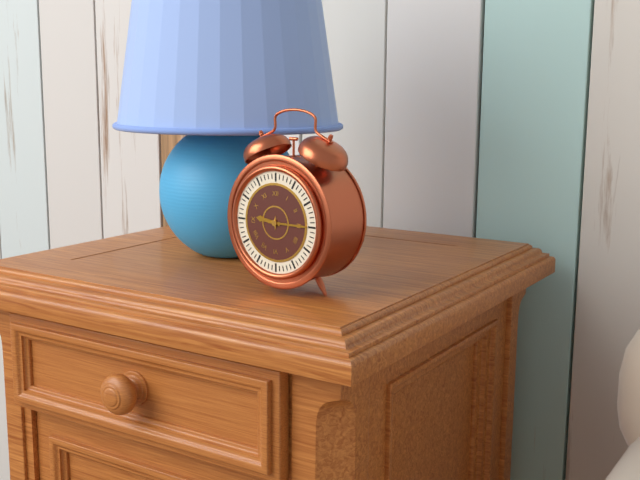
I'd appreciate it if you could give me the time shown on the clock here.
9:15
